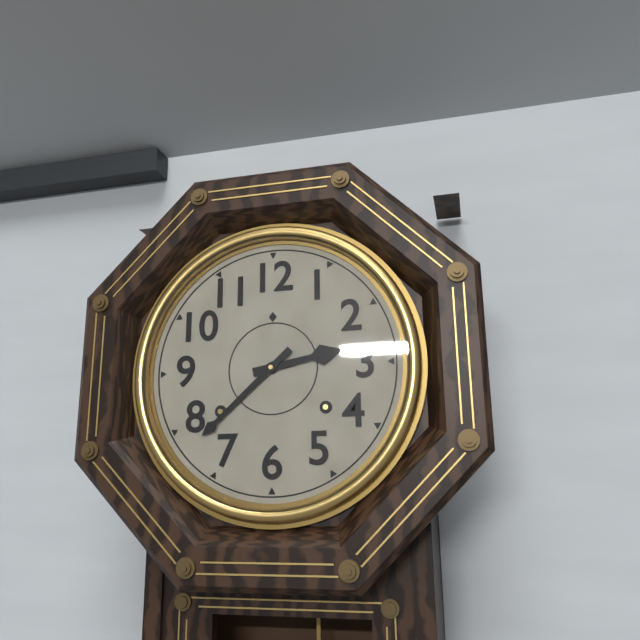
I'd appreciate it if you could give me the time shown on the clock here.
2:38
